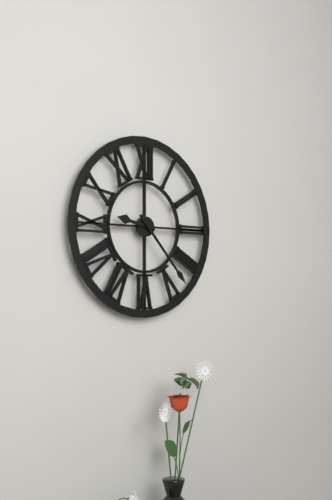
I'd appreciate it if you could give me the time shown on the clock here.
9:23
